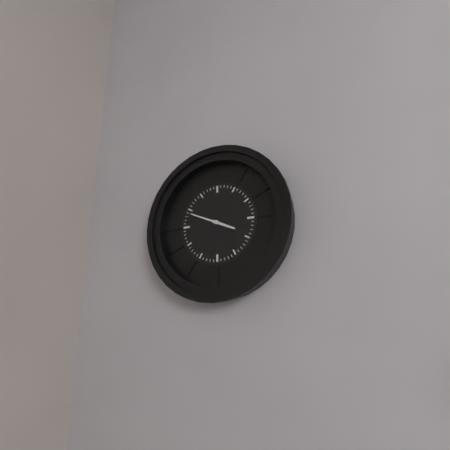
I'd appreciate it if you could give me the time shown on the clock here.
3:49
